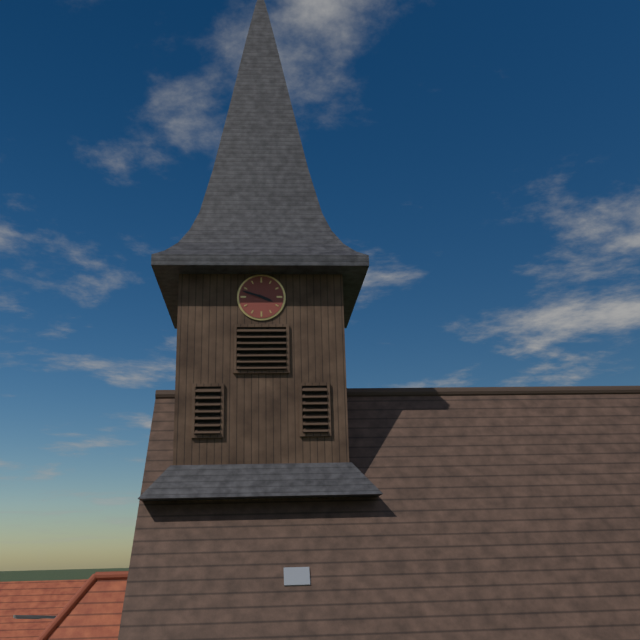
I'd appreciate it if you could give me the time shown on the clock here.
3:48
